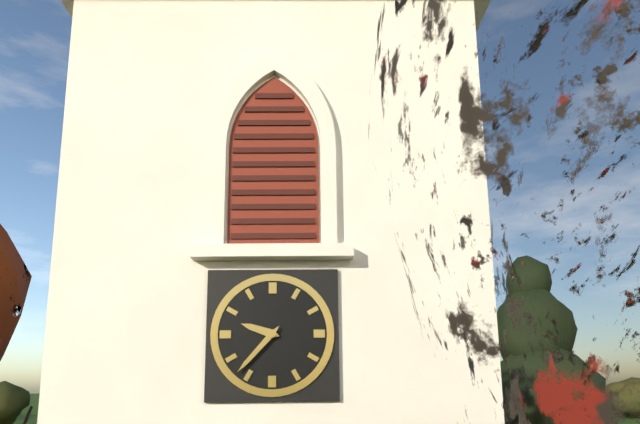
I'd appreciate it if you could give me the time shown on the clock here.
9:37
